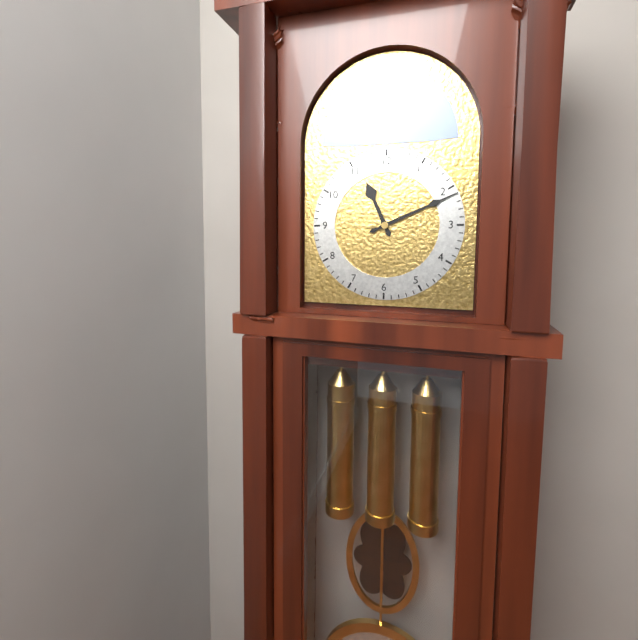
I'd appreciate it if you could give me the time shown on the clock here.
11:11
